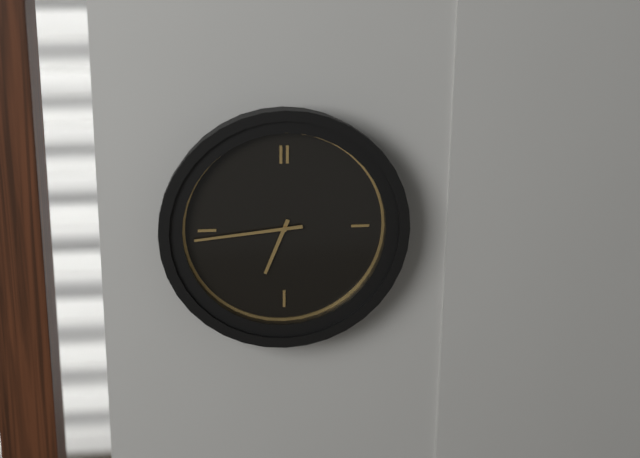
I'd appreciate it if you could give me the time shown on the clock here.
6:44
